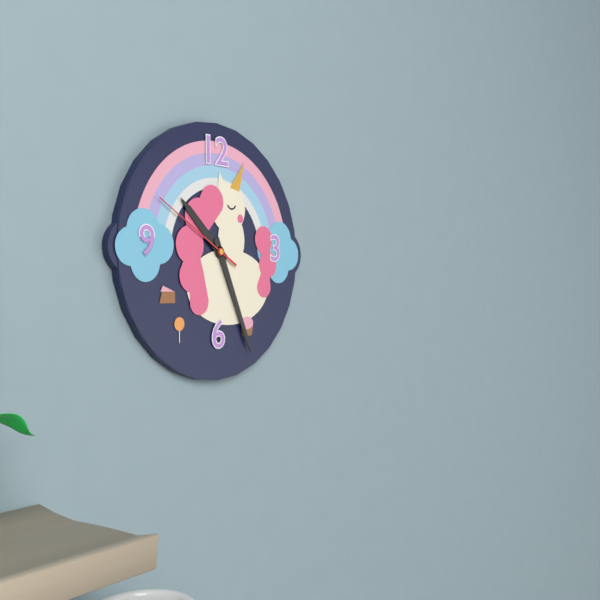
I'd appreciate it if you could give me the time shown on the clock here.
10:26:50
